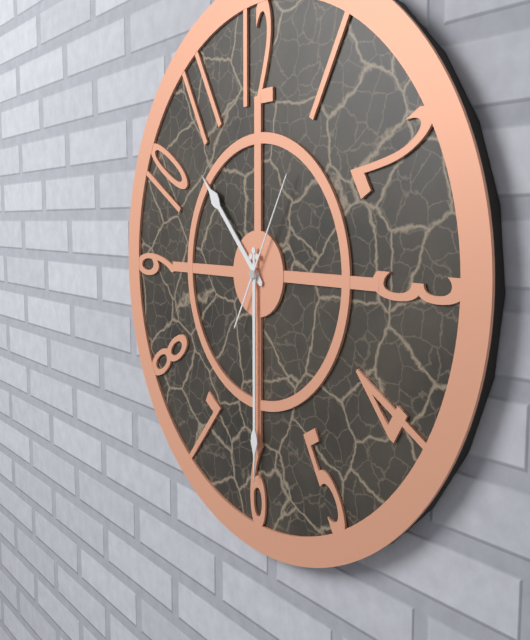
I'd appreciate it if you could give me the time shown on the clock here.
10:30:05
